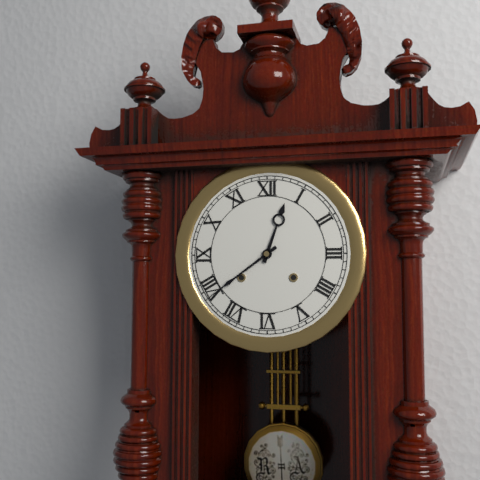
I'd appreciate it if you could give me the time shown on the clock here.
12:39
